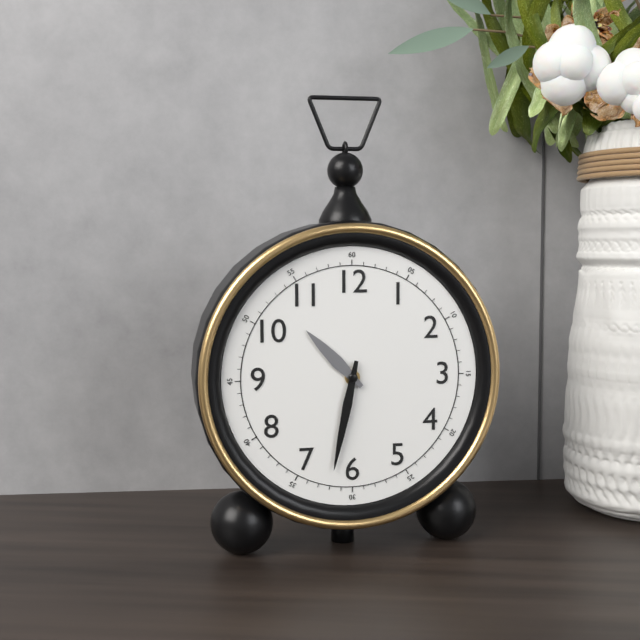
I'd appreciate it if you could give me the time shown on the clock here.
10:32
